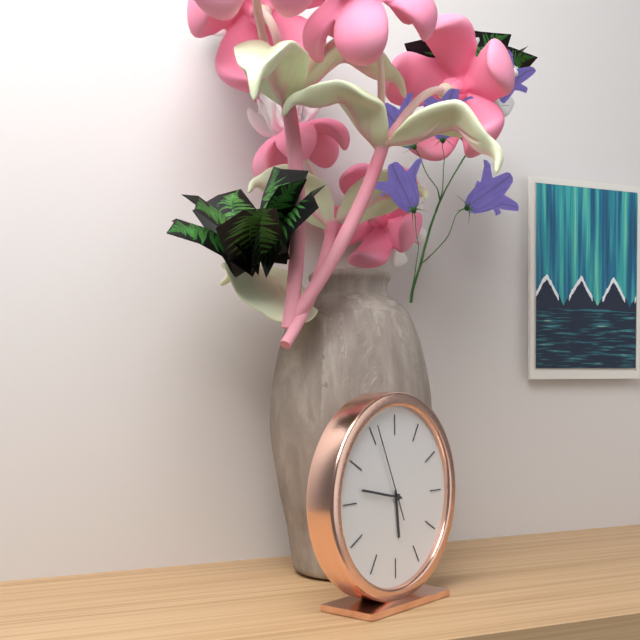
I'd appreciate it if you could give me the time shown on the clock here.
5:47:56
